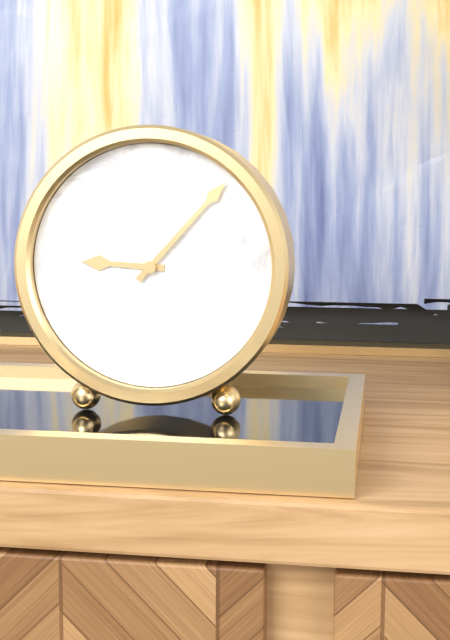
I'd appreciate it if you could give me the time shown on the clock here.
9:07
